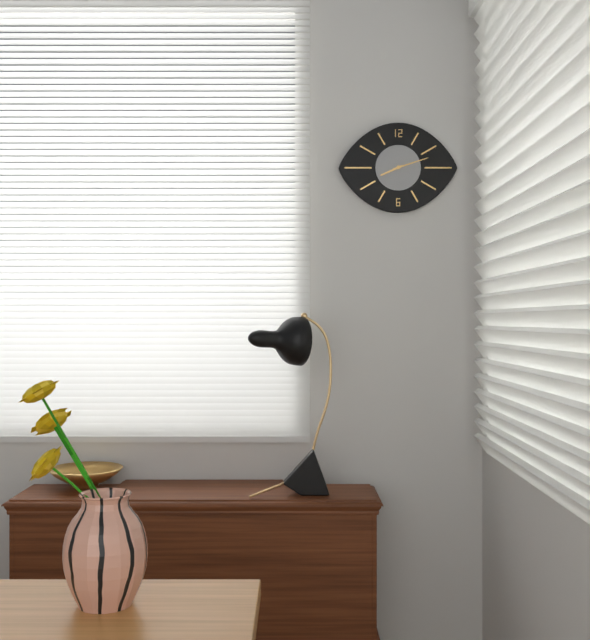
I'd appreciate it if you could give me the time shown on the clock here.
8:12
